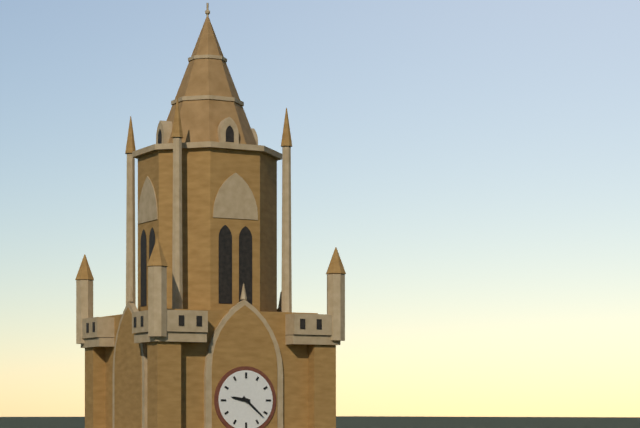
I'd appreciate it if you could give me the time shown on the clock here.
9:22
